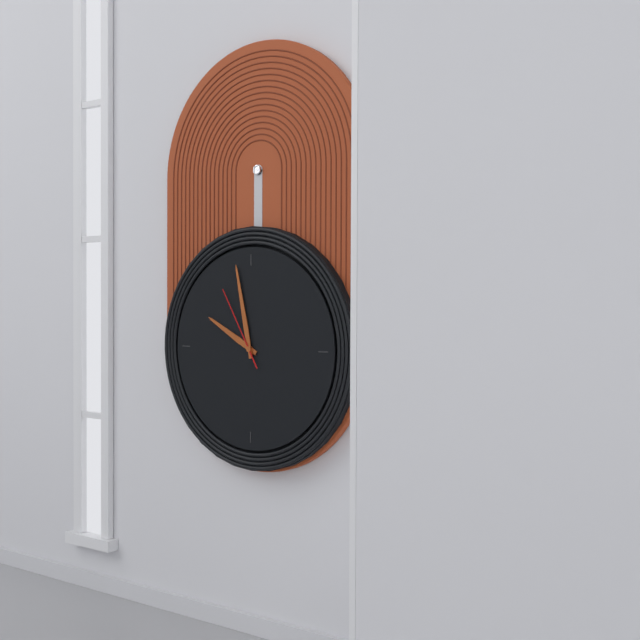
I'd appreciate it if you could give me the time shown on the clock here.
9:58:55
